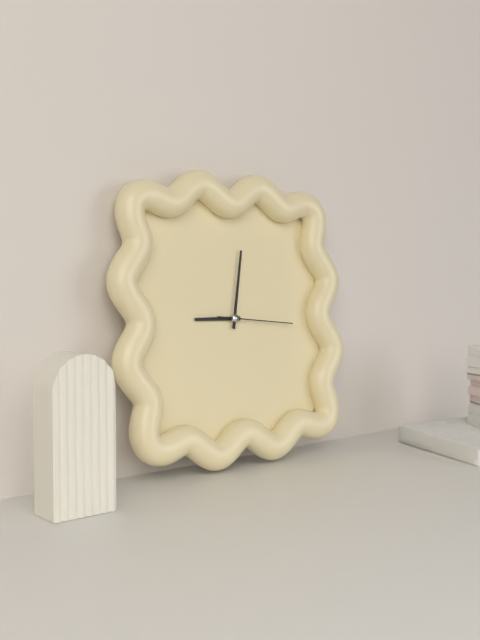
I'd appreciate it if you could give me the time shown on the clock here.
9:02:16
